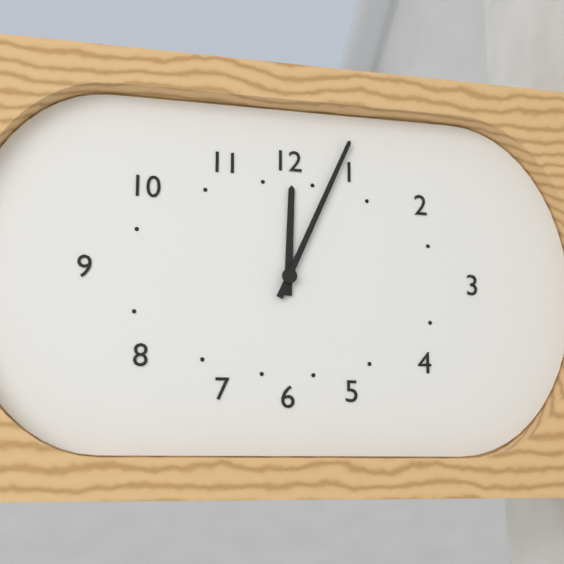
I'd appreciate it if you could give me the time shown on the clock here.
12:04
